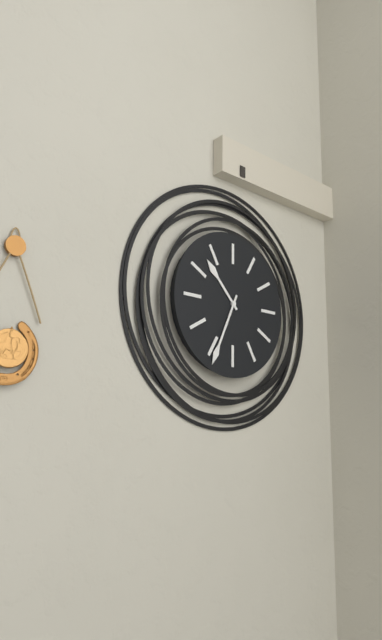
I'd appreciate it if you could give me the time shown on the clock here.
10:34
